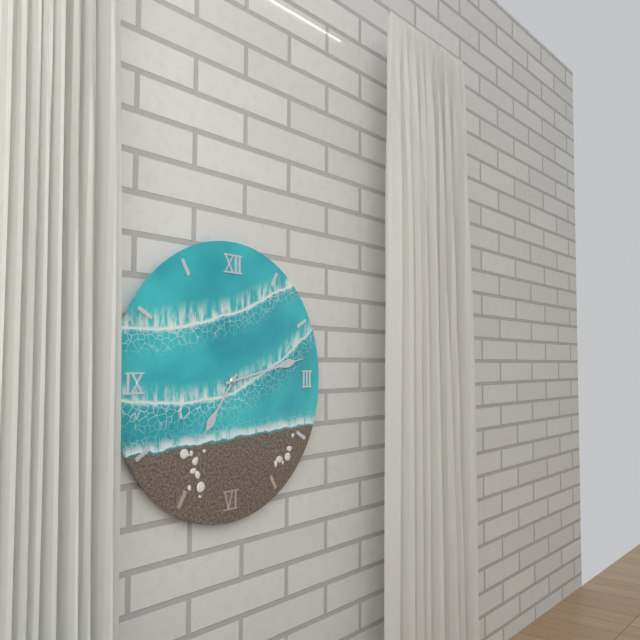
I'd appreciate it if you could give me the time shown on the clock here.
7:13
